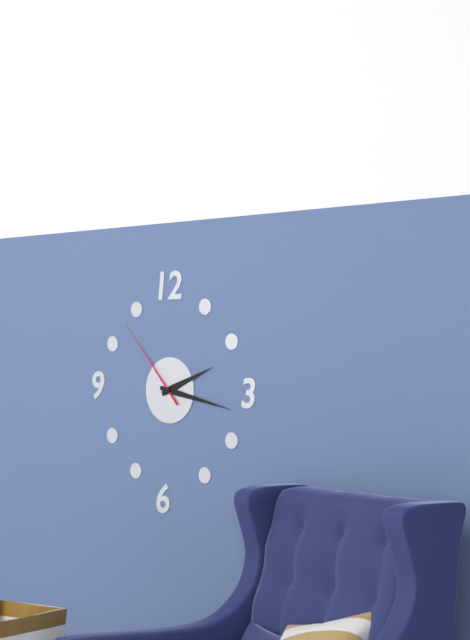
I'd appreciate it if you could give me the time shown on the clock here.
2:17:53
